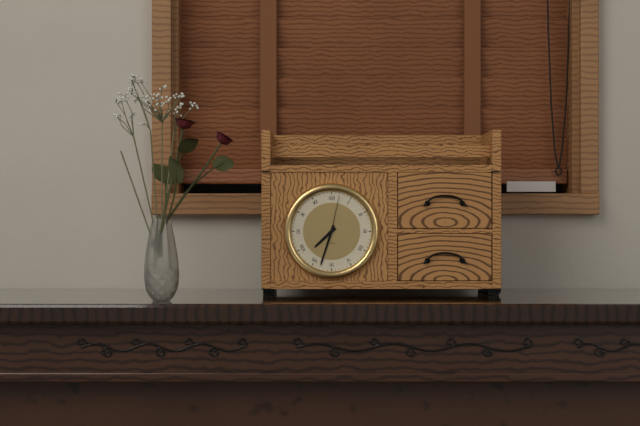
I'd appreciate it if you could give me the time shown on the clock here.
7:33
